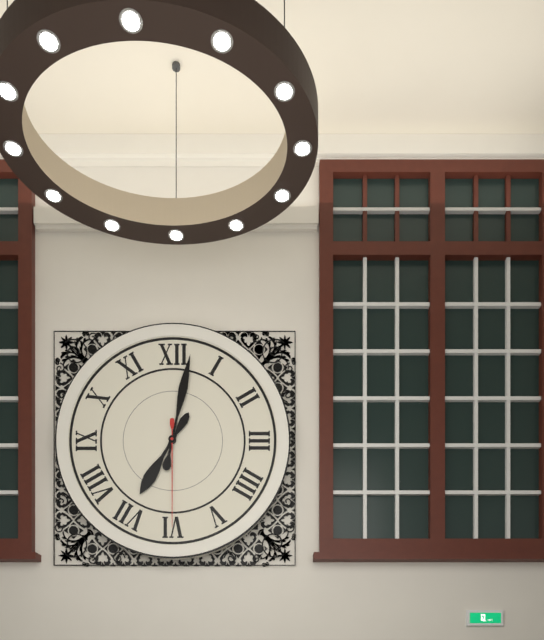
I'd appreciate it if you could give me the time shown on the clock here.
7:02:30
